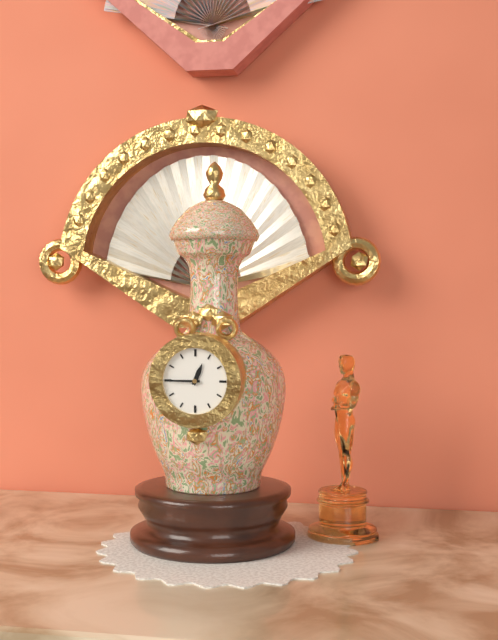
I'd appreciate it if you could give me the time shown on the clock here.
12:45
